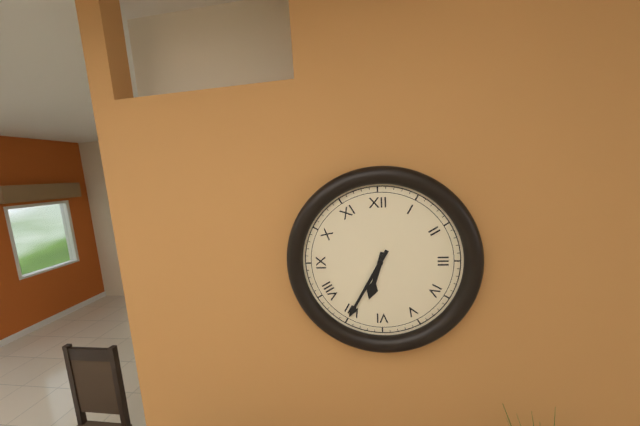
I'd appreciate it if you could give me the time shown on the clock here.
6:35
